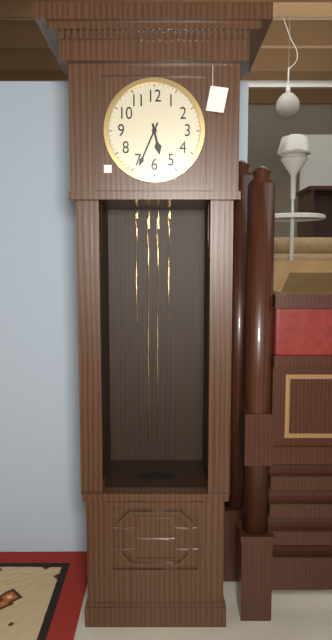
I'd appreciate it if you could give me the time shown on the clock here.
5:34
